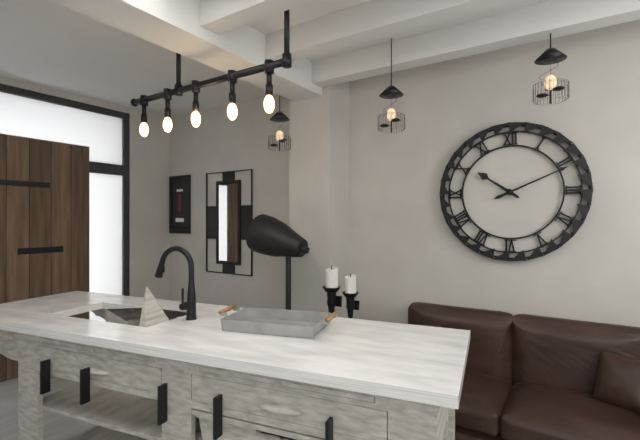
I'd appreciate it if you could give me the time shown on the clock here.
10:11
